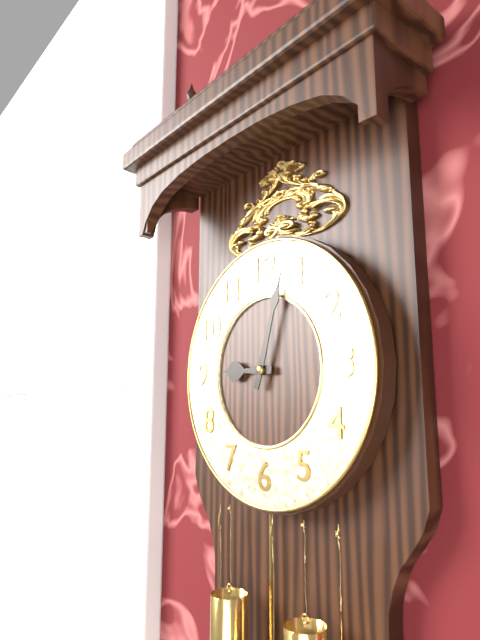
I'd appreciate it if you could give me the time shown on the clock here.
9:03
